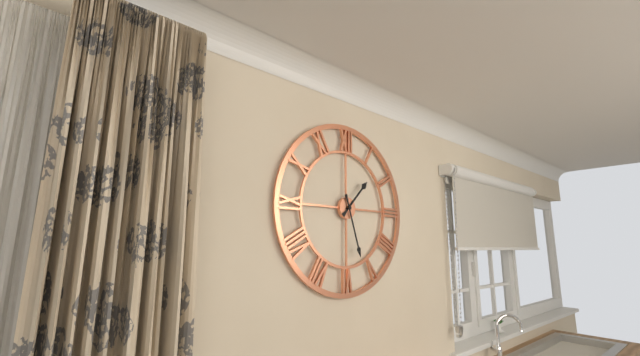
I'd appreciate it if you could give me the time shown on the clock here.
1:27
